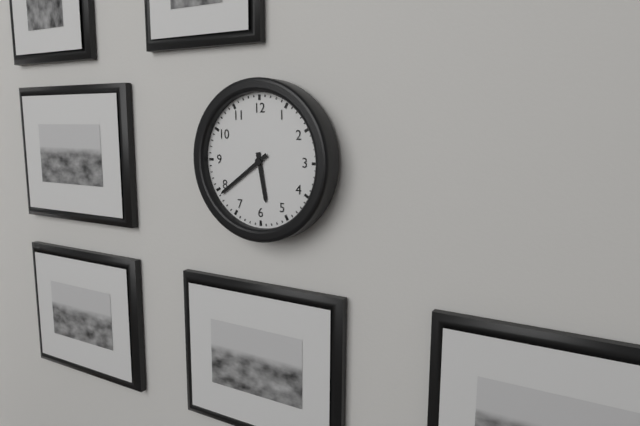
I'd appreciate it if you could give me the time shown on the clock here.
5:39
